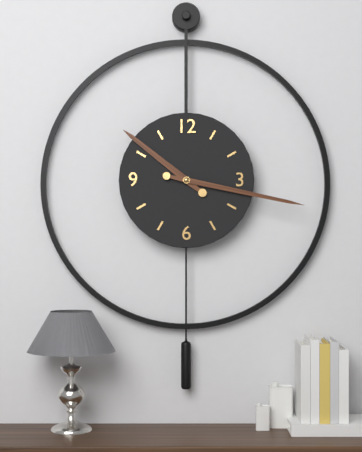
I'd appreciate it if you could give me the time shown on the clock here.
10:17
